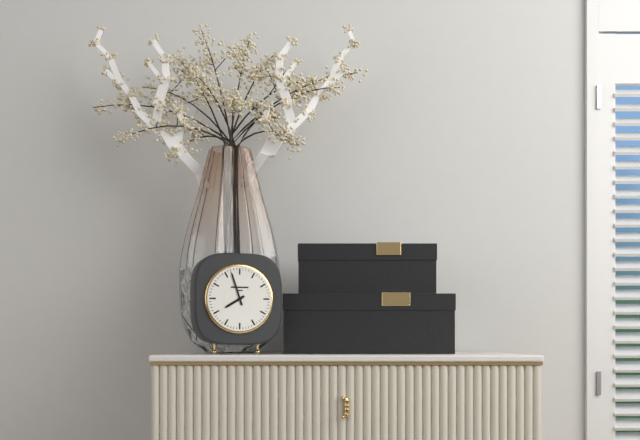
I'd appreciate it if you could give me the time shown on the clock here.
7:57
